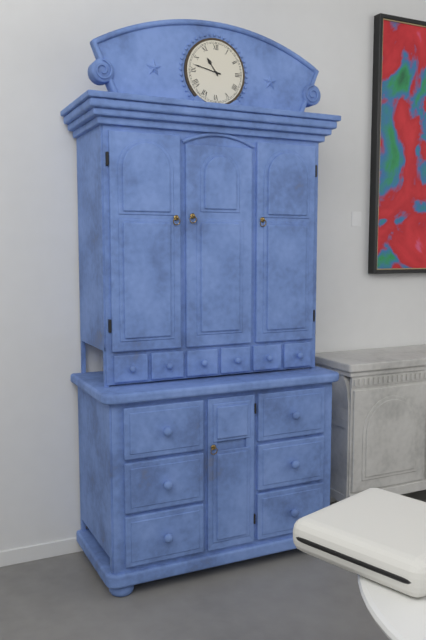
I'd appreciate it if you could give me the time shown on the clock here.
10:47
